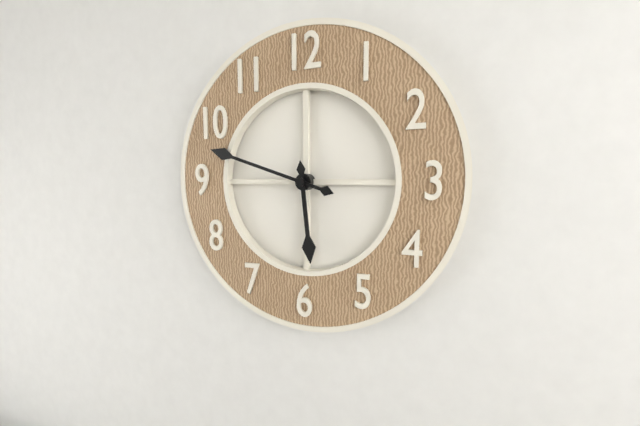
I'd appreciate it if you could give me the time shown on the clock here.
5:48
